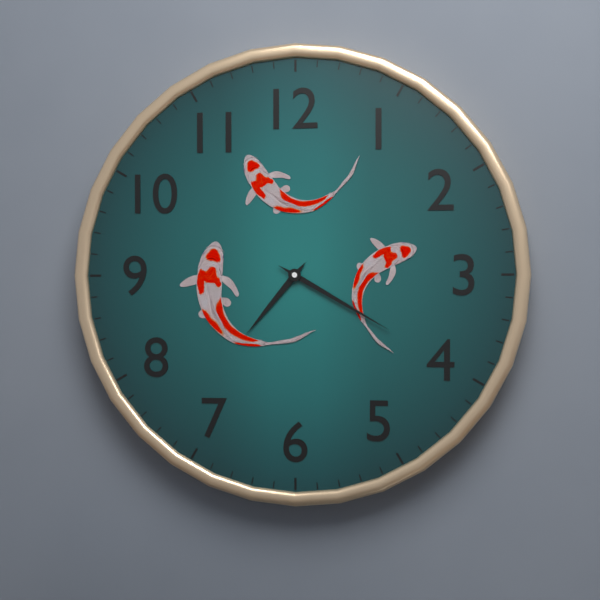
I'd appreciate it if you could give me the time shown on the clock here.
7:20
